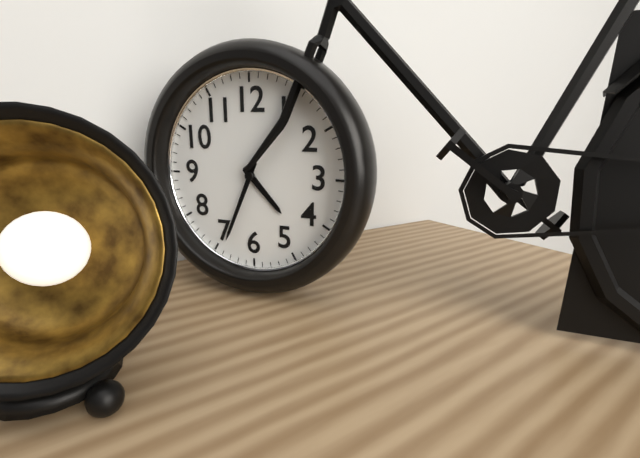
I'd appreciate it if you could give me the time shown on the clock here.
4:34
